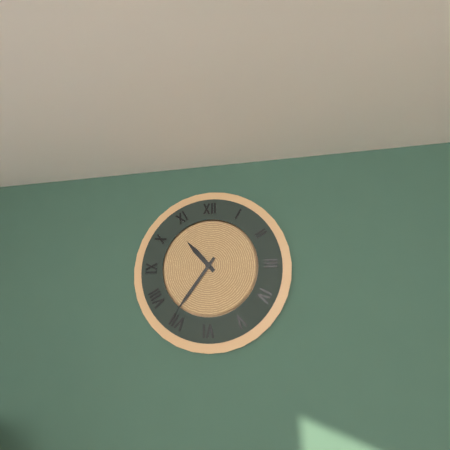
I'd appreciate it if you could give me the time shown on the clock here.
10:36
